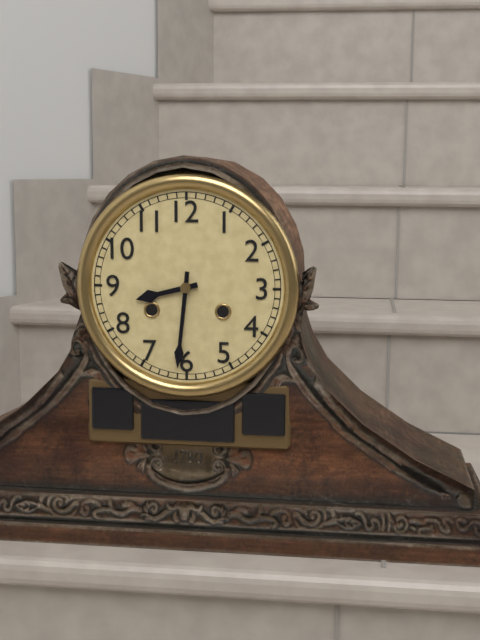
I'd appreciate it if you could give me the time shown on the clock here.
8:31
